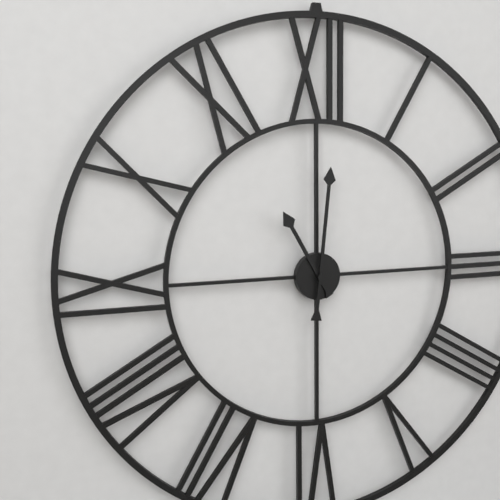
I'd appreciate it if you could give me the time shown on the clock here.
11:01
